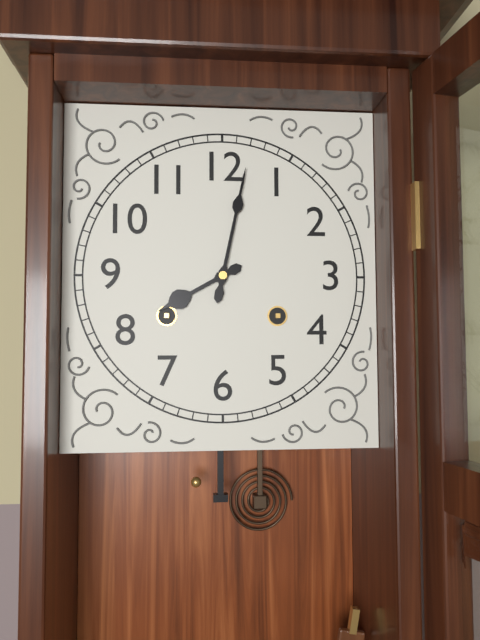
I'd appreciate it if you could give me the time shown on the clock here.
8:02
